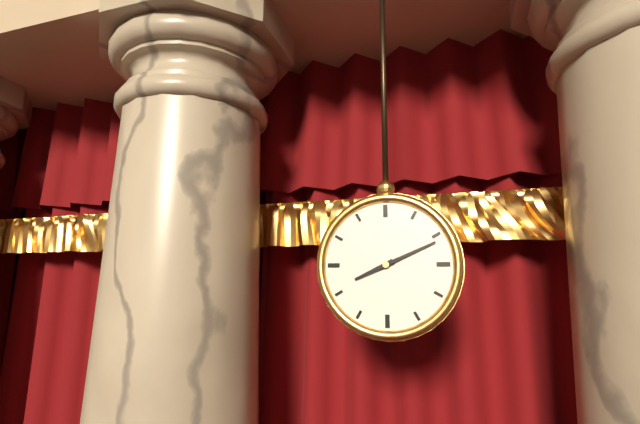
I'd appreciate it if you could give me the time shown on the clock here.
8:11
